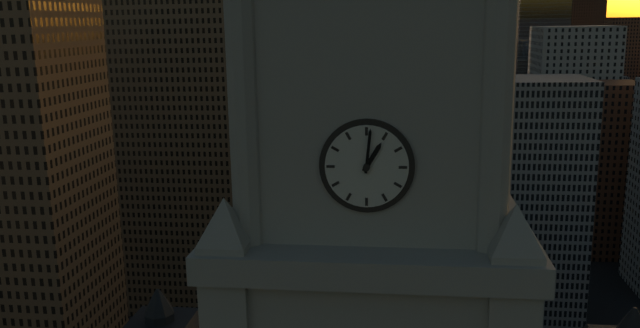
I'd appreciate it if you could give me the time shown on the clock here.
1:01
